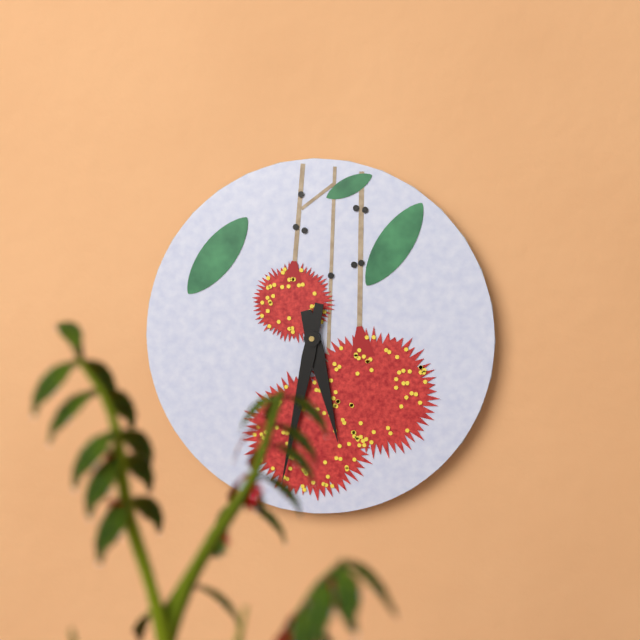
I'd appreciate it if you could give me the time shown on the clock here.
5:32
